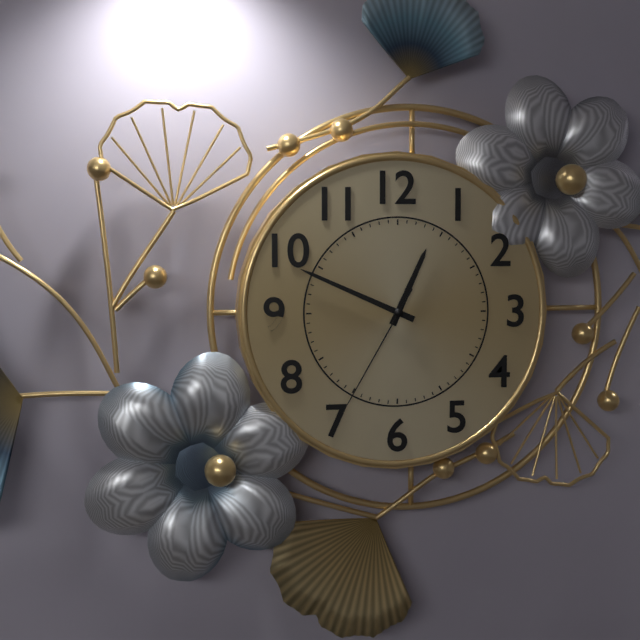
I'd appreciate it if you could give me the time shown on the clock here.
12:49:35
